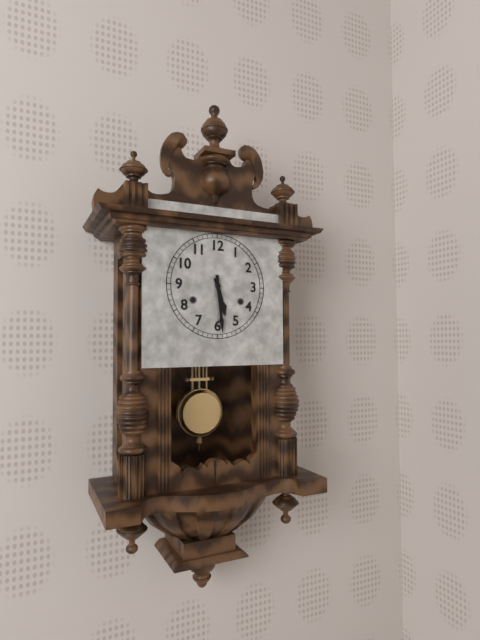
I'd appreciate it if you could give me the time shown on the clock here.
5:29
